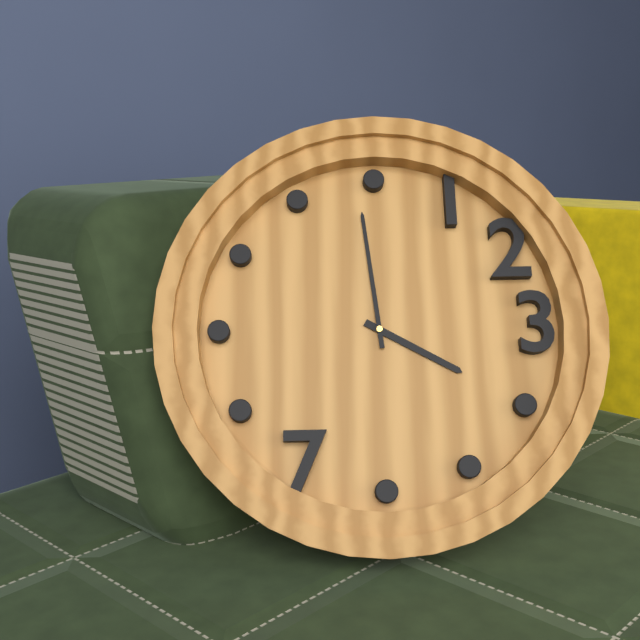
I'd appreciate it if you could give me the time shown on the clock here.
3:59
